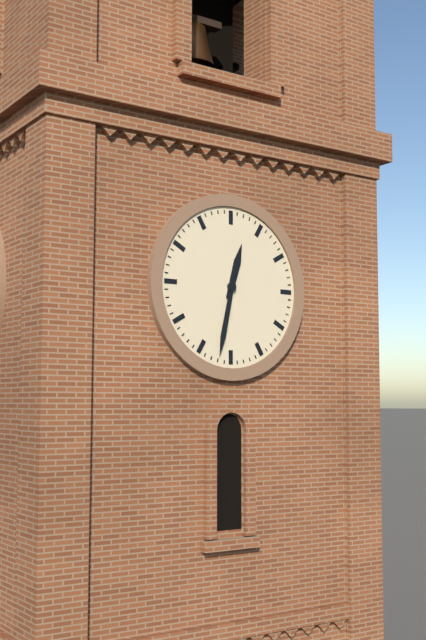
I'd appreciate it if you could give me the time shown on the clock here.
12:32
